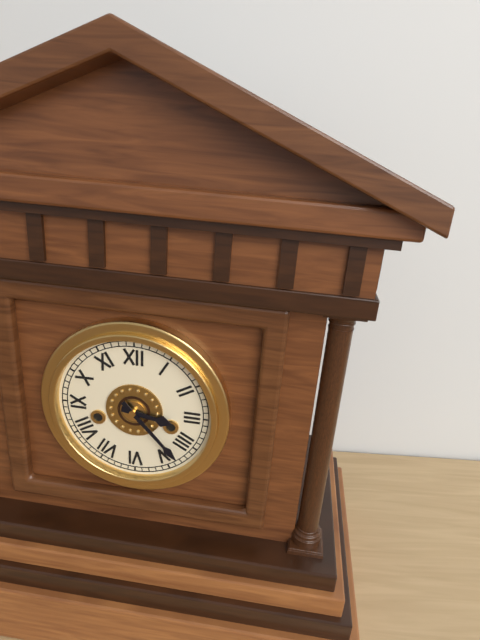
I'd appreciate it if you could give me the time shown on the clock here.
3:23
